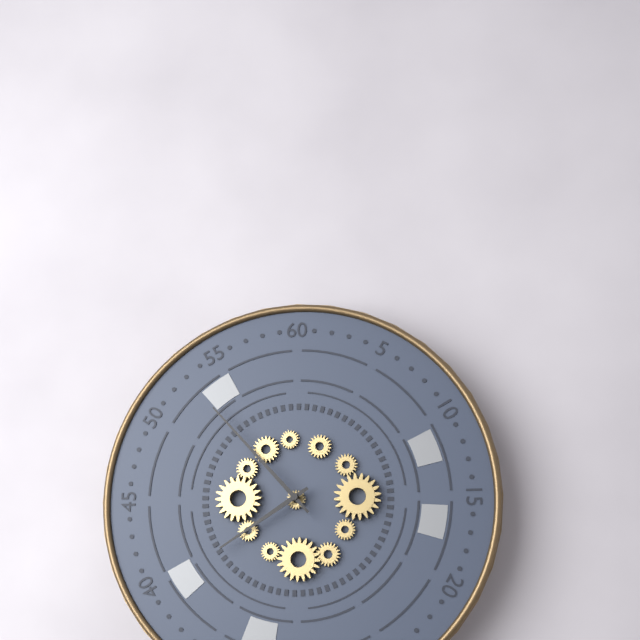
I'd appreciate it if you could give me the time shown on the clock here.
7:53
